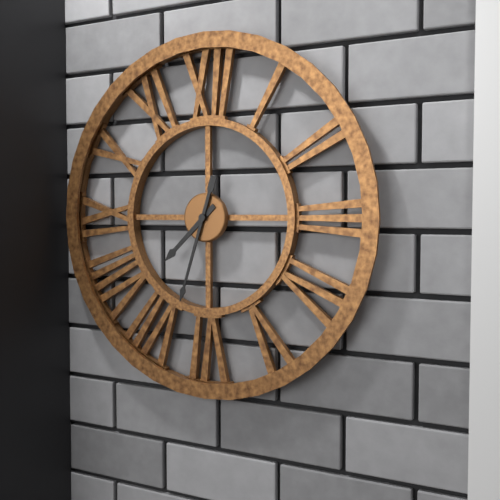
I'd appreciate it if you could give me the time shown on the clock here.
7:33
